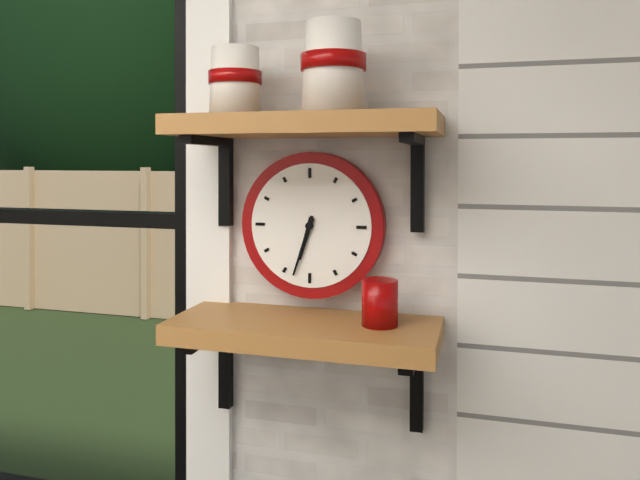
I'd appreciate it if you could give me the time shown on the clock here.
6:33
